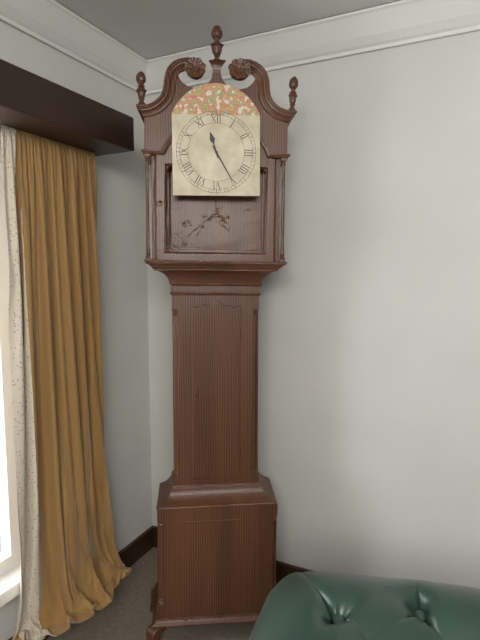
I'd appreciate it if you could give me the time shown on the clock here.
11:25
